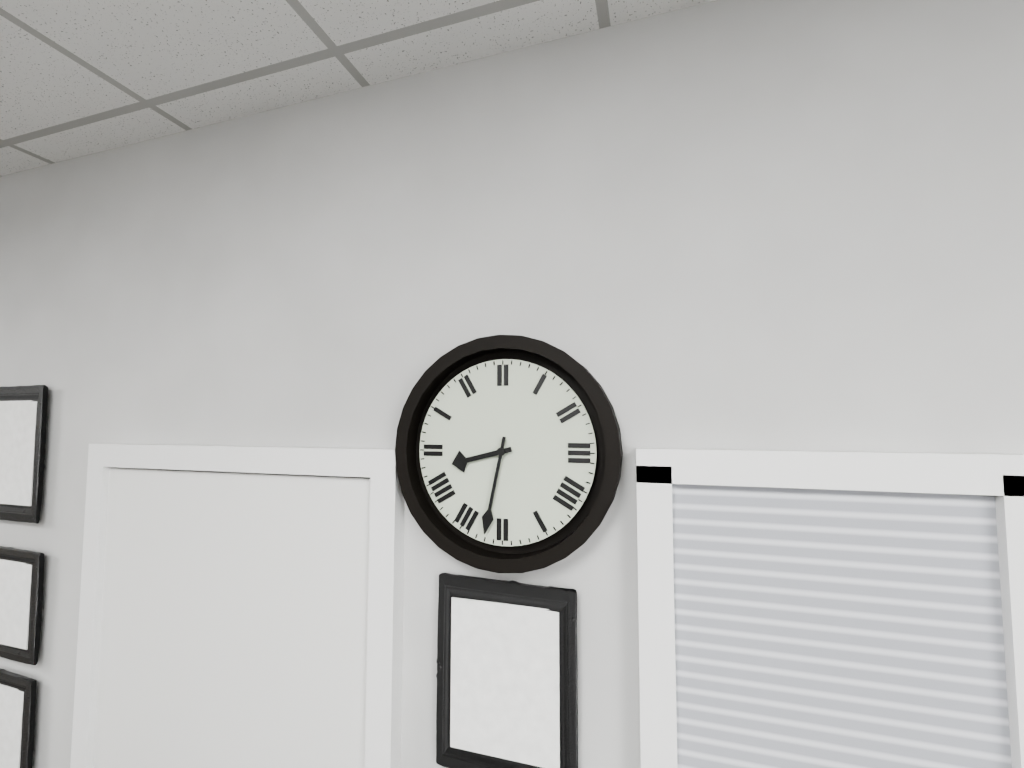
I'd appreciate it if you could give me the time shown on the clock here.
8:32
